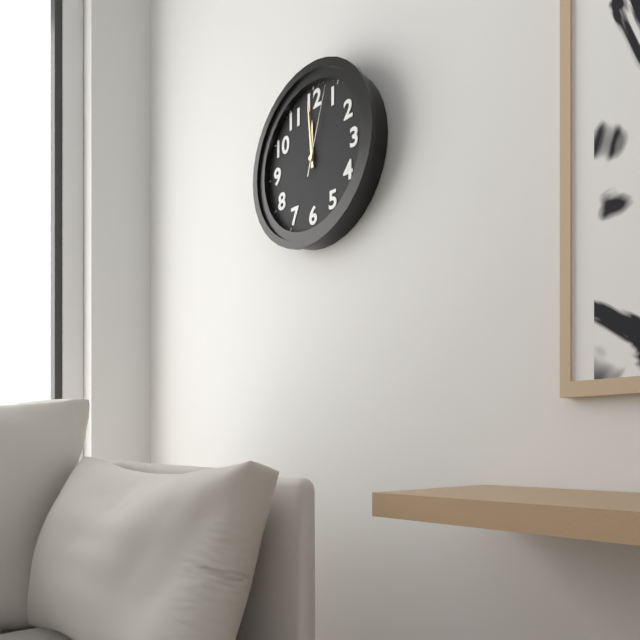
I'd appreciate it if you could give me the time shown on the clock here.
11:59:03
